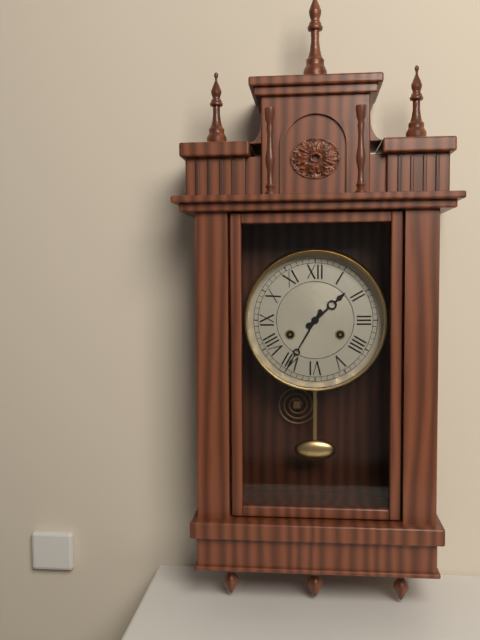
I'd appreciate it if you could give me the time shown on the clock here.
1:35
